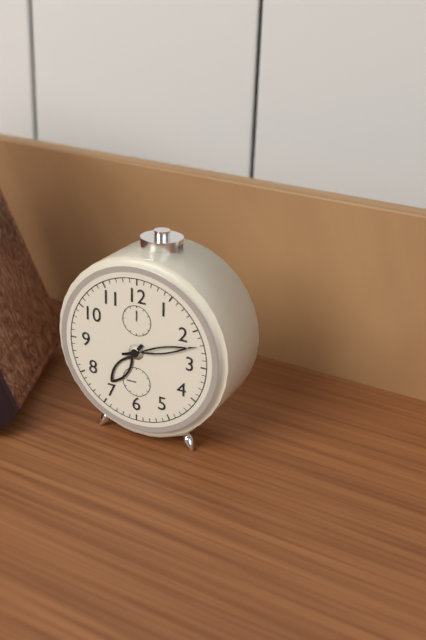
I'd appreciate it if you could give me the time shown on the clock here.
7:12
